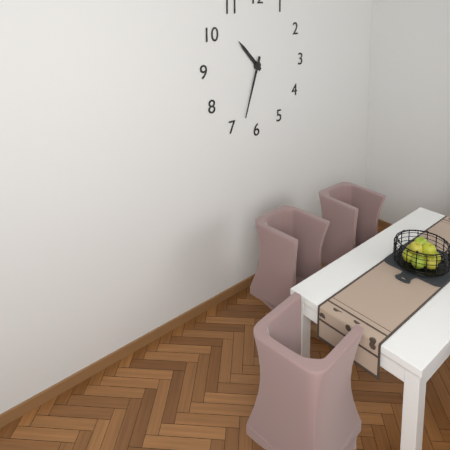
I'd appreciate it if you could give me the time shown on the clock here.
10:33
